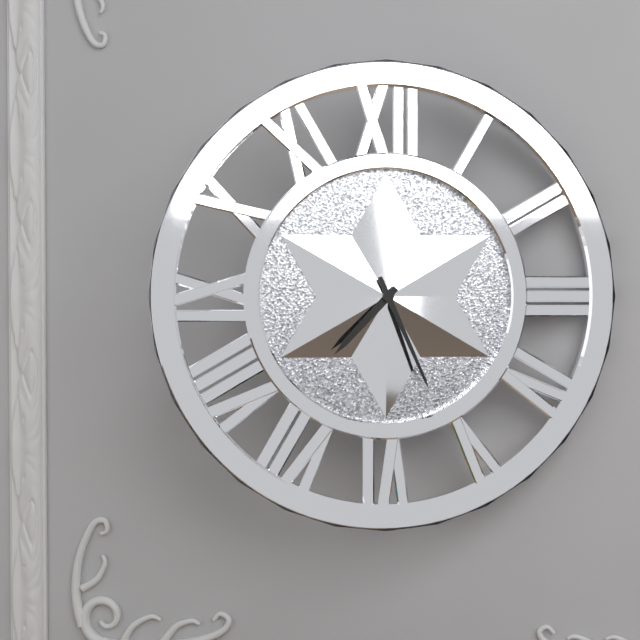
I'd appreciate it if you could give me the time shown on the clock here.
7:26
